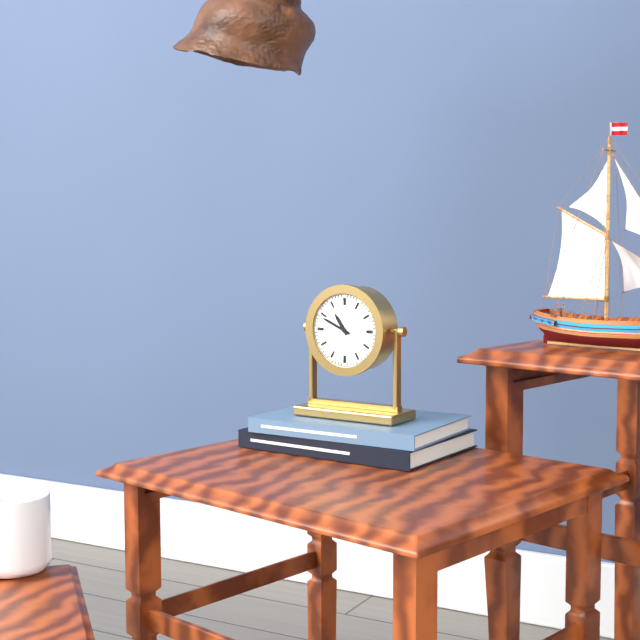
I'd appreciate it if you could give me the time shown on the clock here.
10:49
